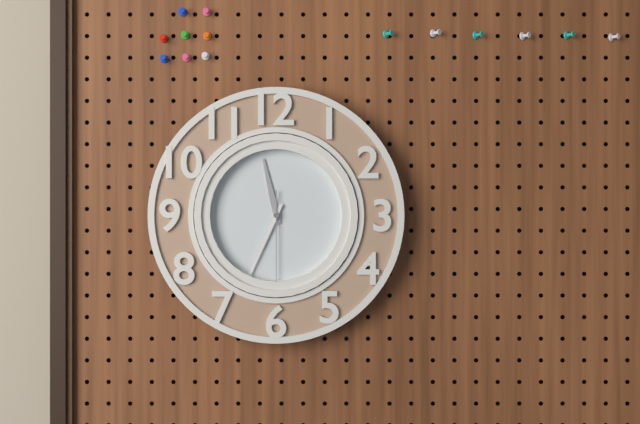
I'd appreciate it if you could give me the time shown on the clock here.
11:34:30
